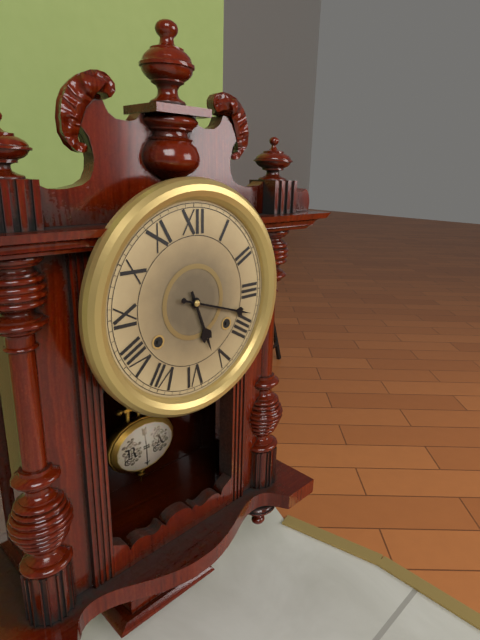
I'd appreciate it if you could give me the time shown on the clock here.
5:18
